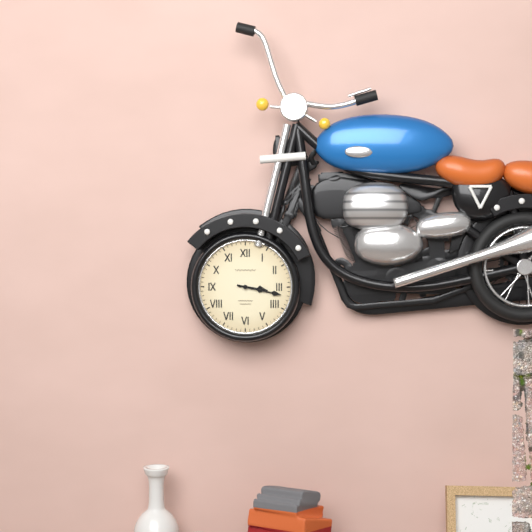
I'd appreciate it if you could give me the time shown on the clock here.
3:17
